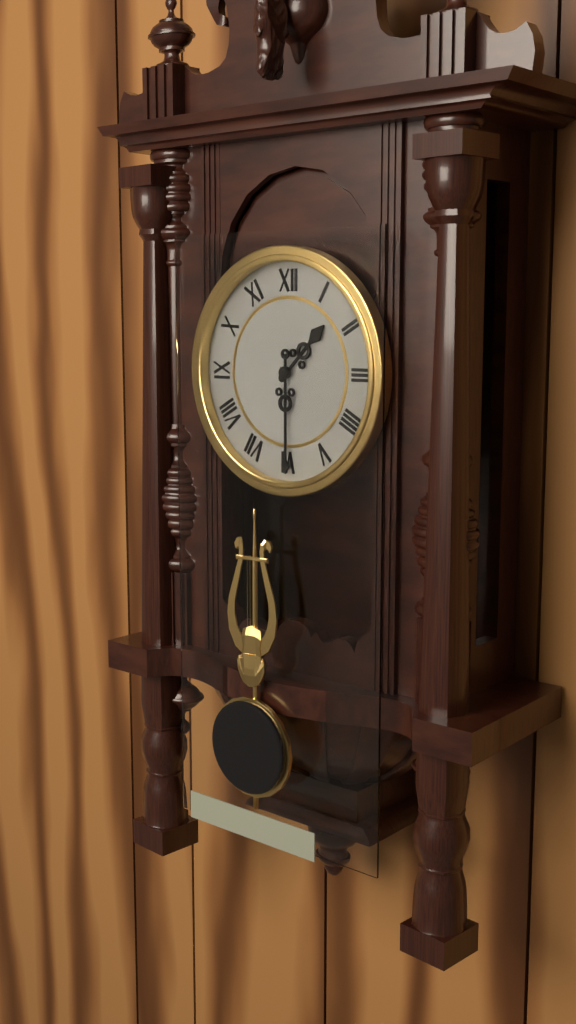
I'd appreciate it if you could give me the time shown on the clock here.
1:30
